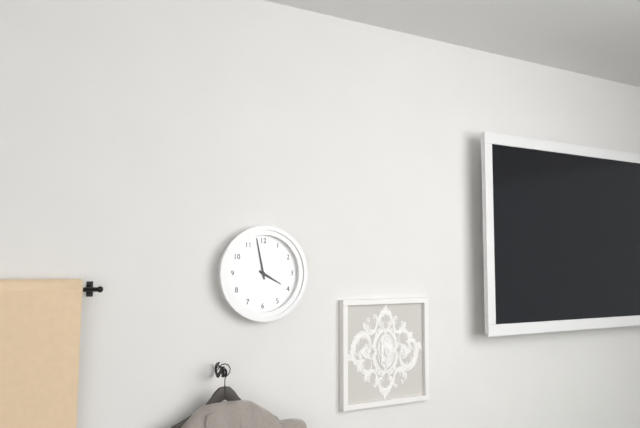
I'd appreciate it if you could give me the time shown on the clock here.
3:58
